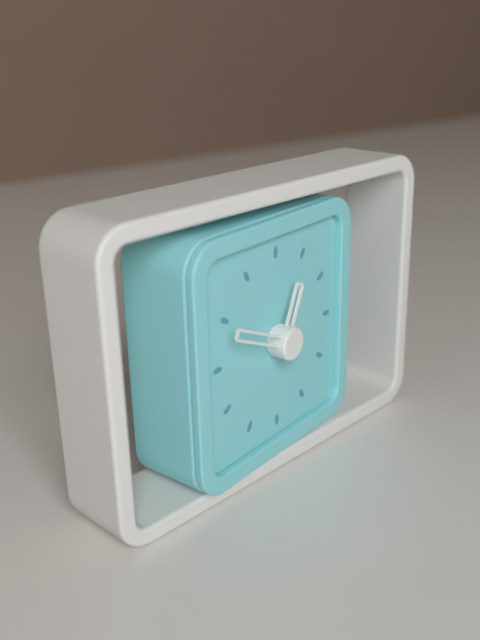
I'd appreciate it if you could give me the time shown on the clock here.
12:49
